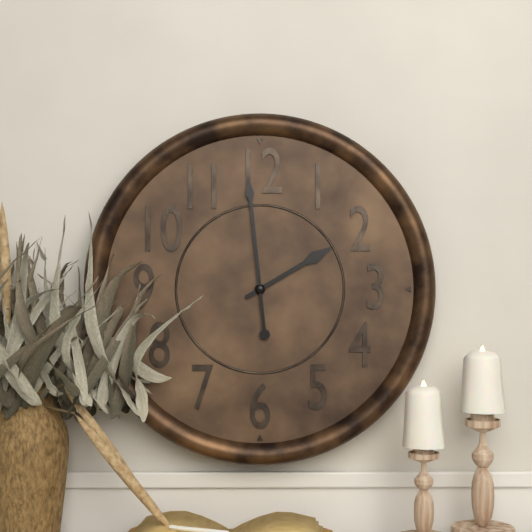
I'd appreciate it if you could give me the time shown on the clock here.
1:59
